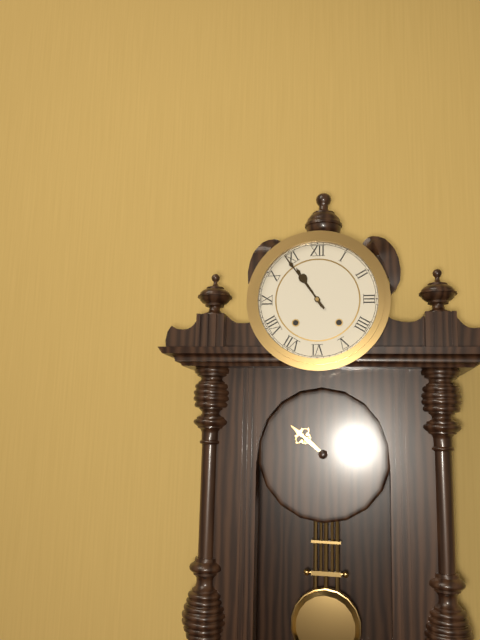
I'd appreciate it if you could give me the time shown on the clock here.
10:54
